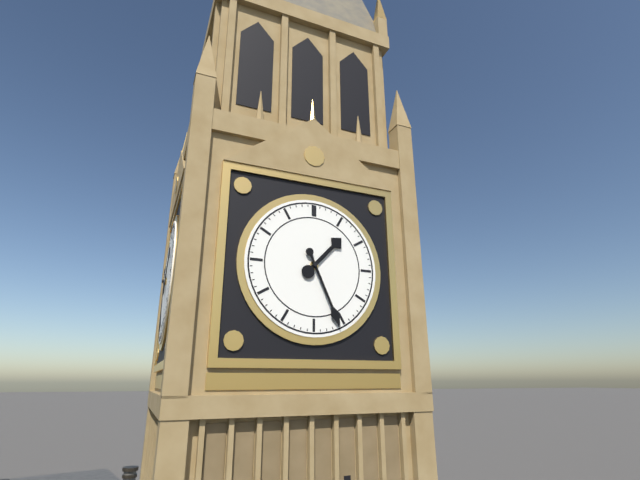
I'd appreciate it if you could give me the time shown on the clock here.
1:26
